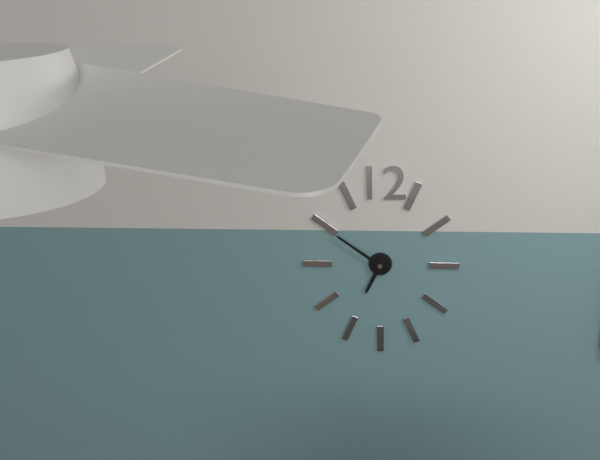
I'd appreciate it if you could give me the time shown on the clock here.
6:51
